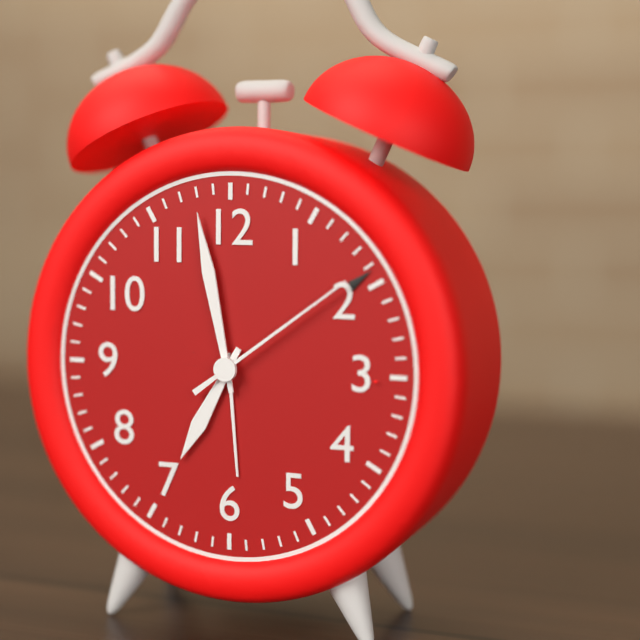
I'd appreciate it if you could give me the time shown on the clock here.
6:58:09
